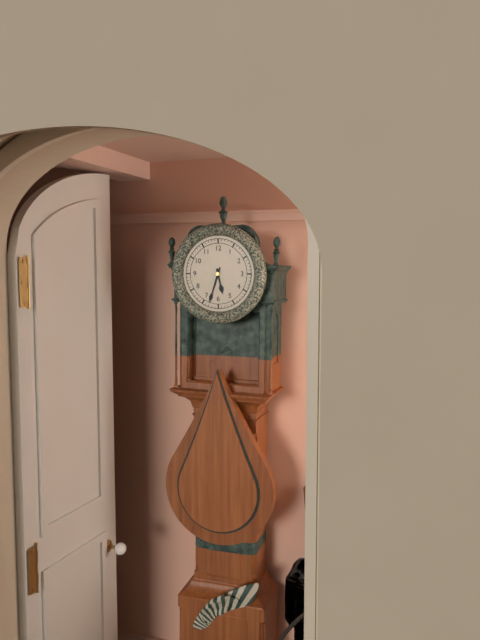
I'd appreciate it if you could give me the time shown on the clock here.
5:33
